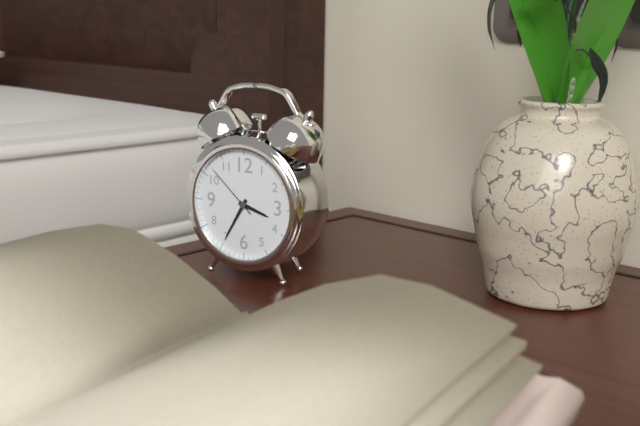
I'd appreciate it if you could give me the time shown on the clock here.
3:35:52
